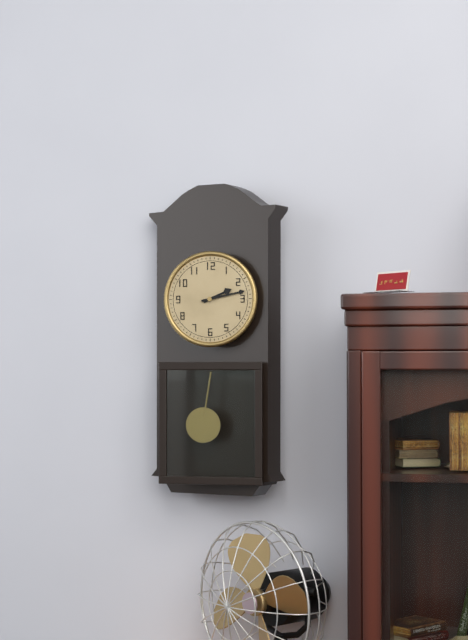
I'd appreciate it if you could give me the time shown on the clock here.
2:13
